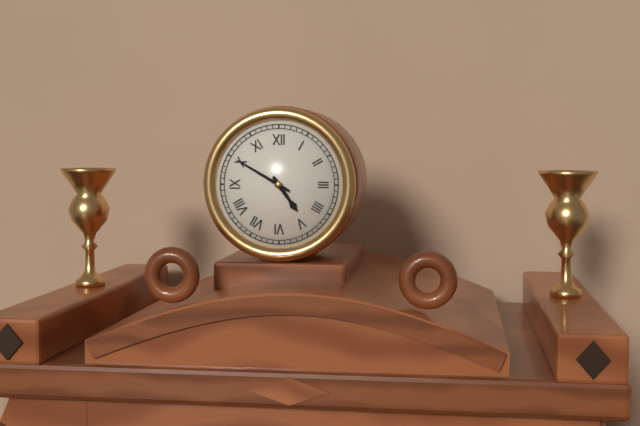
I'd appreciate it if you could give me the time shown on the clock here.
4:50
